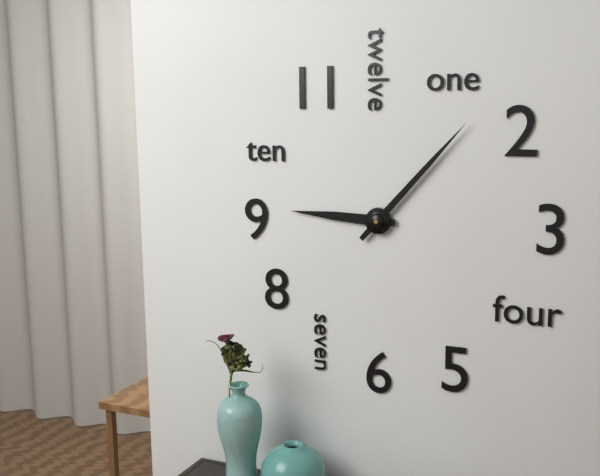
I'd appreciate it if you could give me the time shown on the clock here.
9:07
